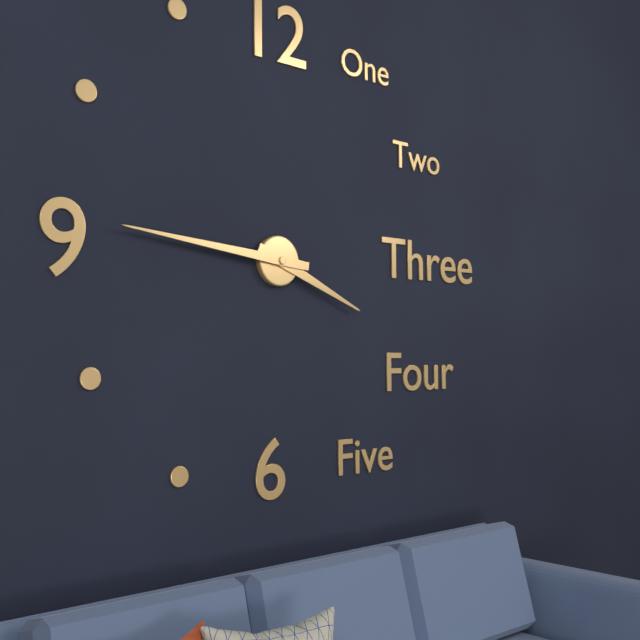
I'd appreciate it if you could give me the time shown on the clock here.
3:46
